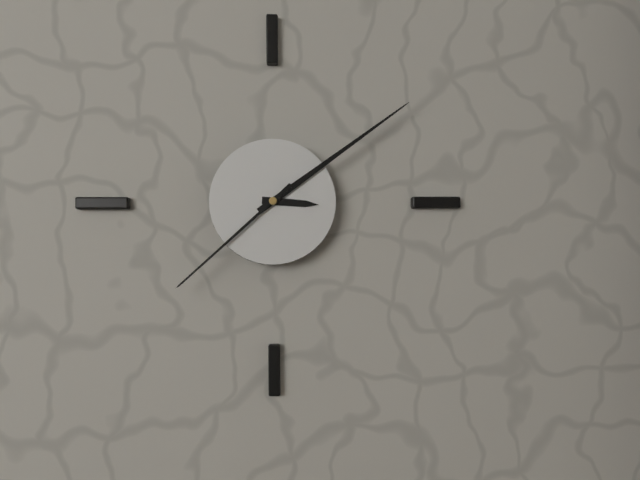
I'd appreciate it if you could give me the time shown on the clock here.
3:09:38
